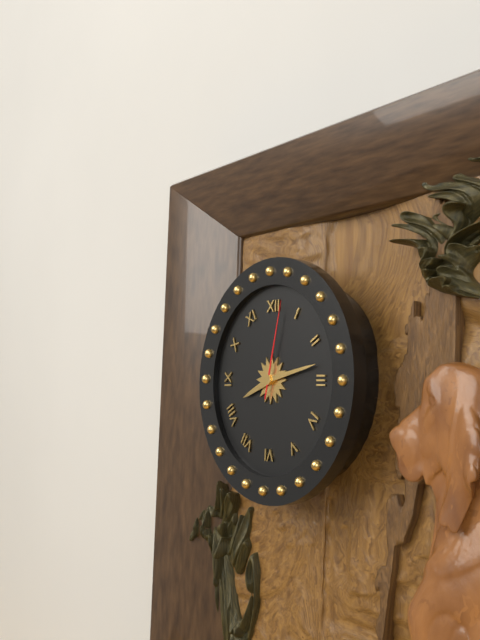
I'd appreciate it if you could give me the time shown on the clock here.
8:13:02
